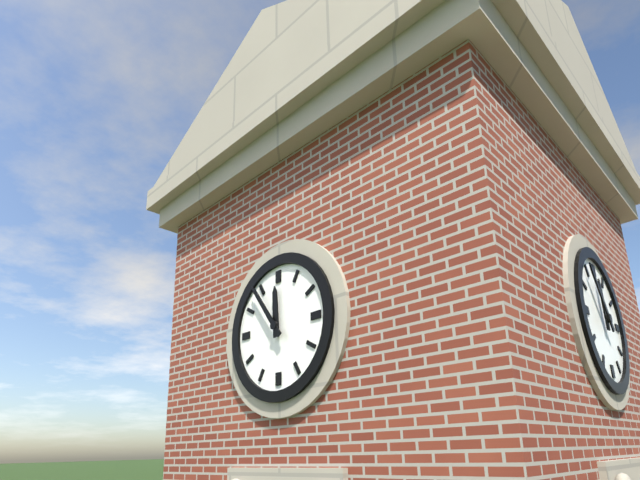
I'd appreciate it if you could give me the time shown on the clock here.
11:54
